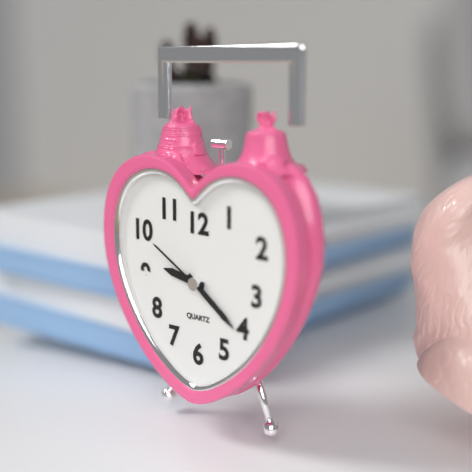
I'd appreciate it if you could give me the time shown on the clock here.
9:21:50
